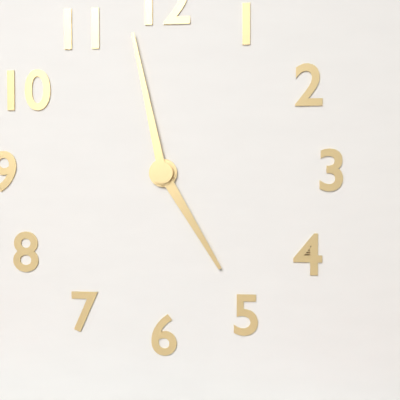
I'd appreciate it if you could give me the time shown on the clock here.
4:58
